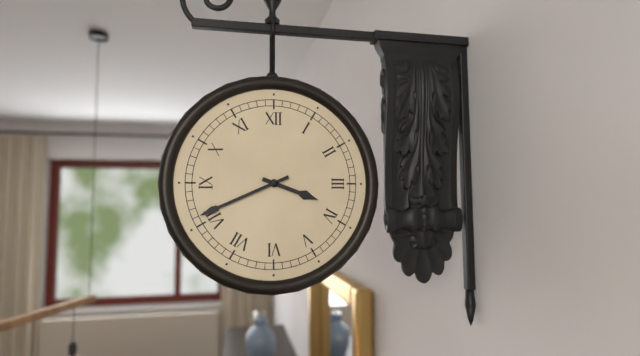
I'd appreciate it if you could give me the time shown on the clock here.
3:41
